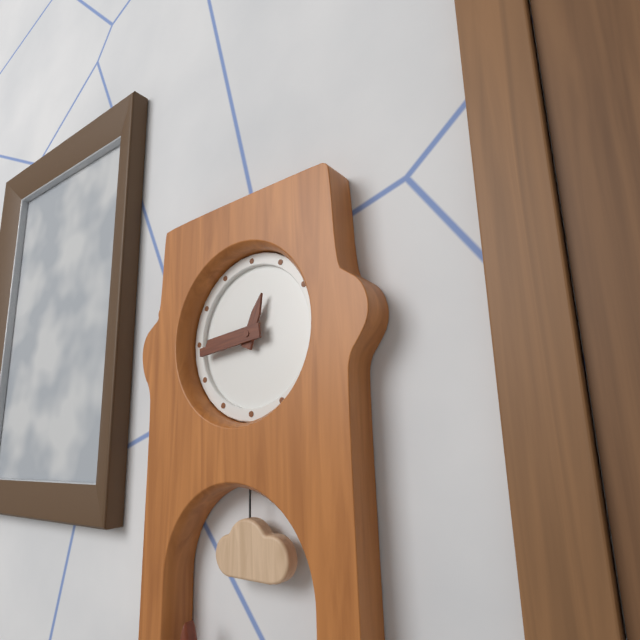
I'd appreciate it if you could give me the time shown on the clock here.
12:44
